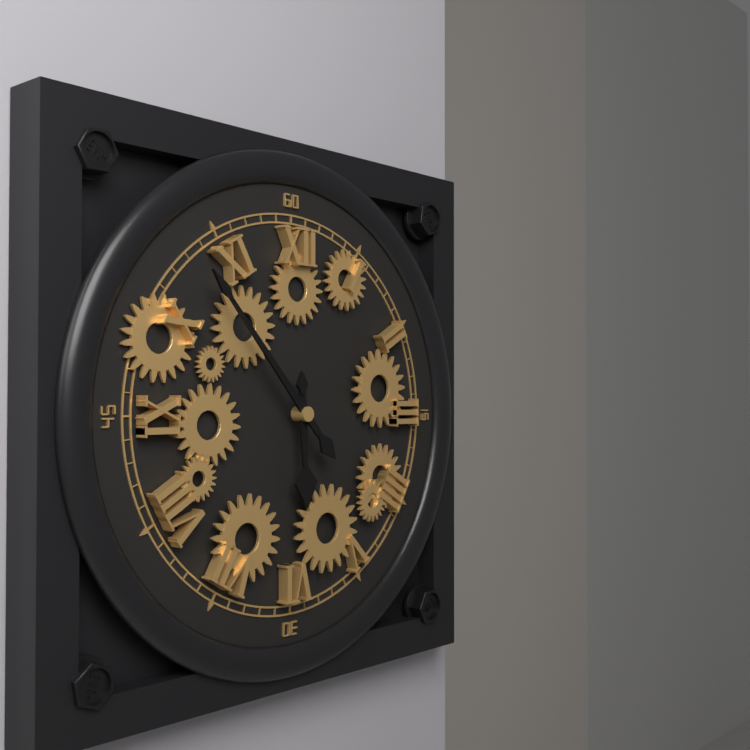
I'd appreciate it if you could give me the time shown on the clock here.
5:53
